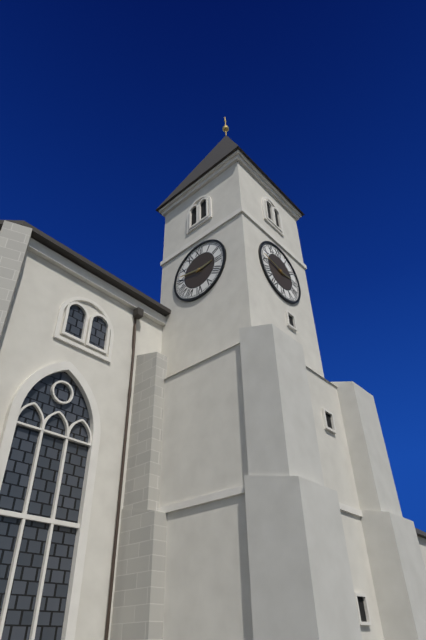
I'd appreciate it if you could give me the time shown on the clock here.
2:47
